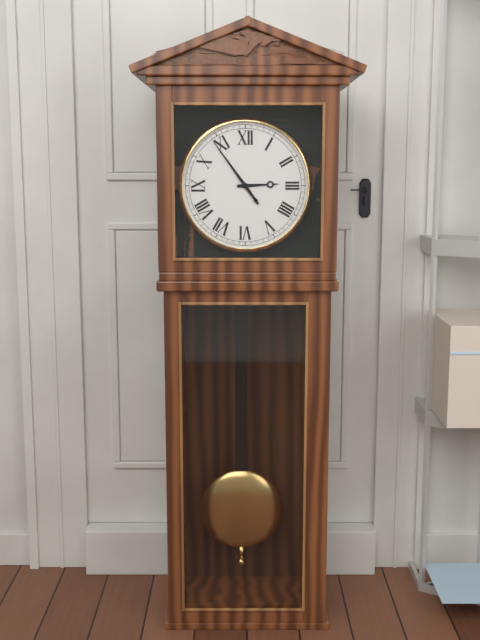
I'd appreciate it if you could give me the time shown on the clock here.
2:54
